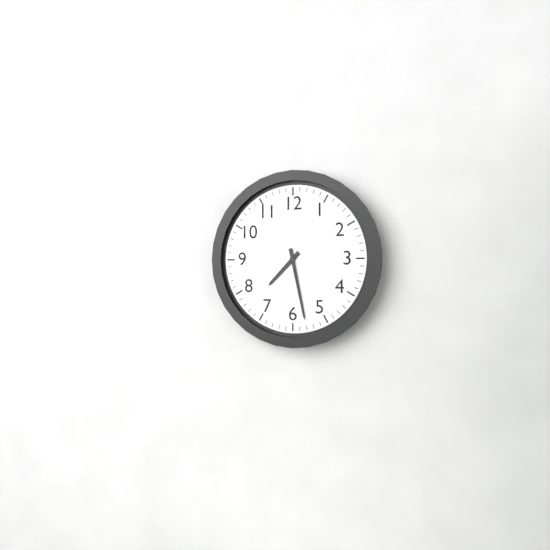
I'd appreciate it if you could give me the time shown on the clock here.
7:28
